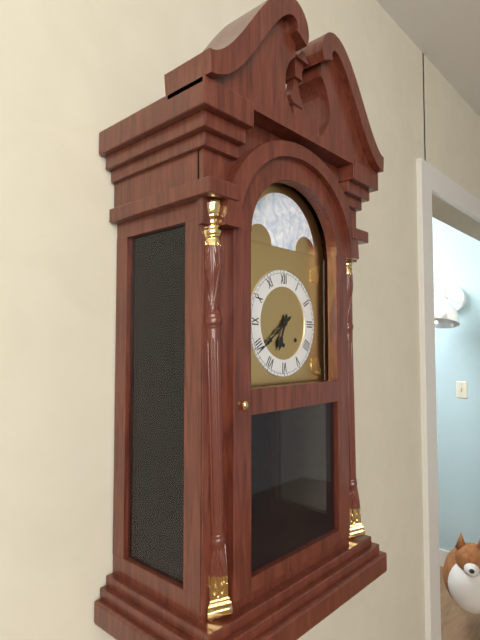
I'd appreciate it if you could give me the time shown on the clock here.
6:39
